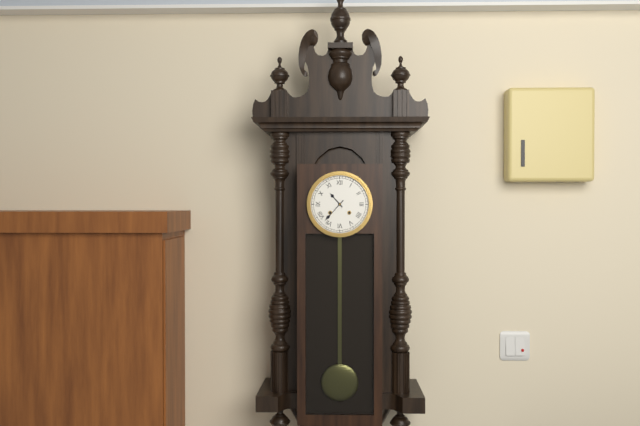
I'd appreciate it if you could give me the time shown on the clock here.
10:37
